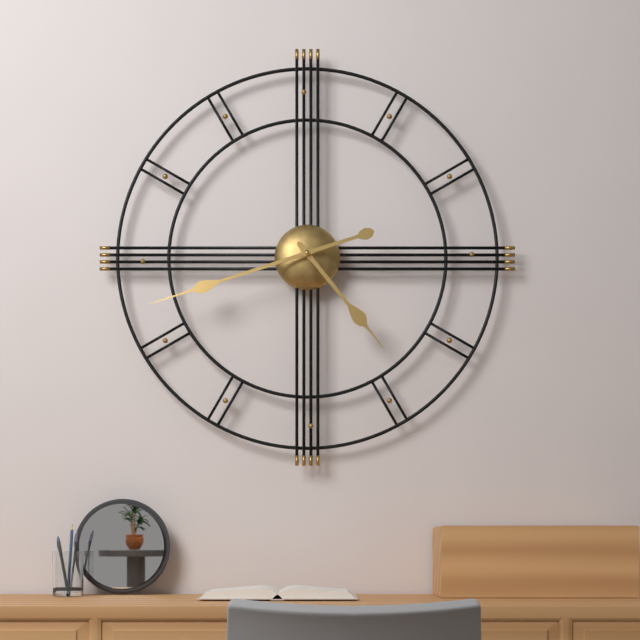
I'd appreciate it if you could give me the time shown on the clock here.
4:42
